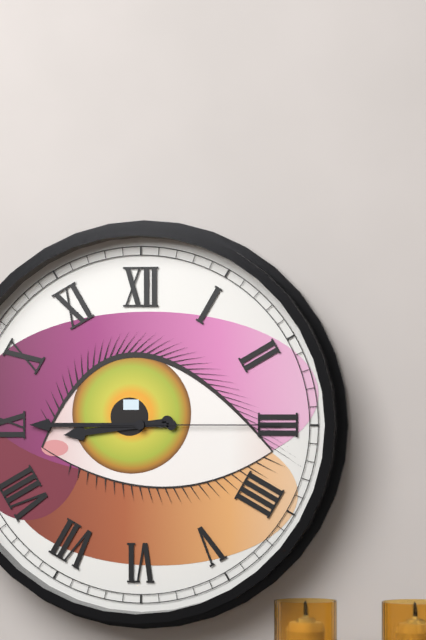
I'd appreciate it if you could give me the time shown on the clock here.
8:45:15
